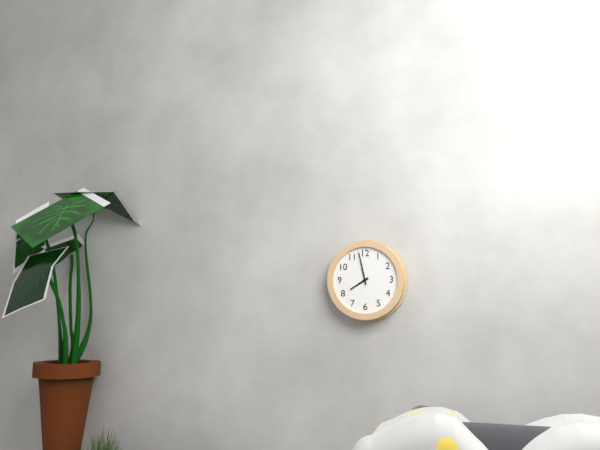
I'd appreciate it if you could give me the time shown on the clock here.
7:58
